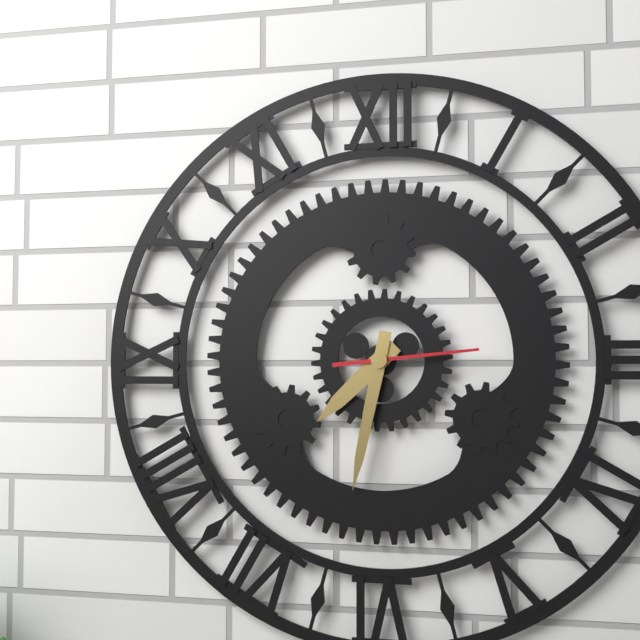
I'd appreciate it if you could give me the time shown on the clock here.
7:32:14
